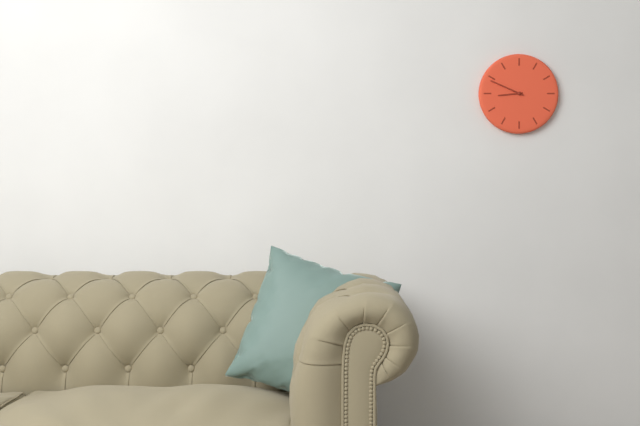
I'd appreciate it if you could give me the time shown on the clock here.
8:49
